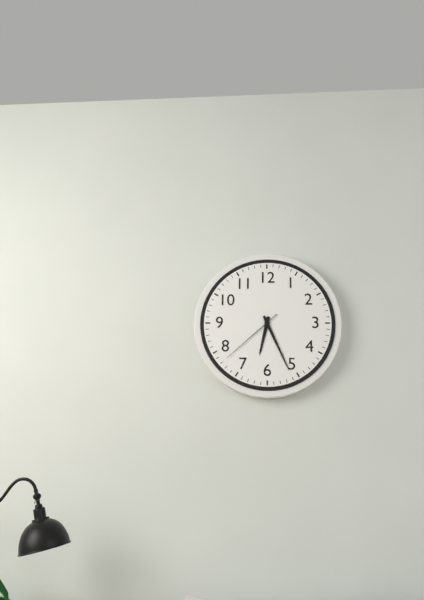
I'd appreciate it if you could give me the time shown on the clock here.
6:26:38
